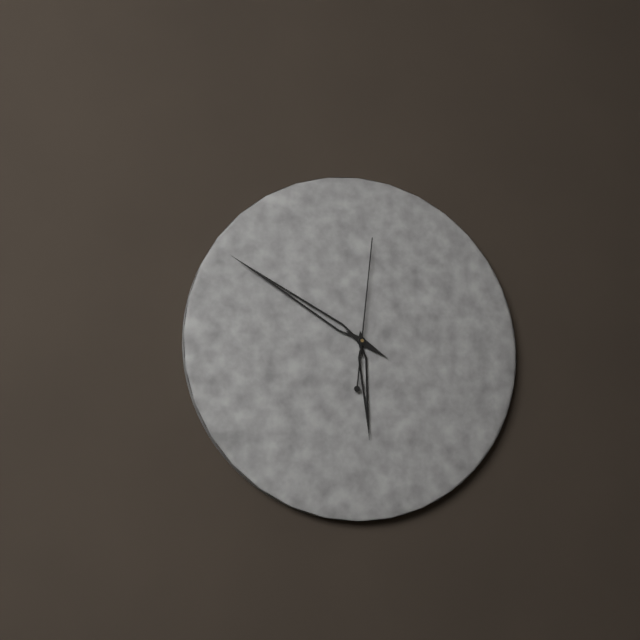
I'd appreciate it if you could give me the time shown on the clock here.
5:50:01
